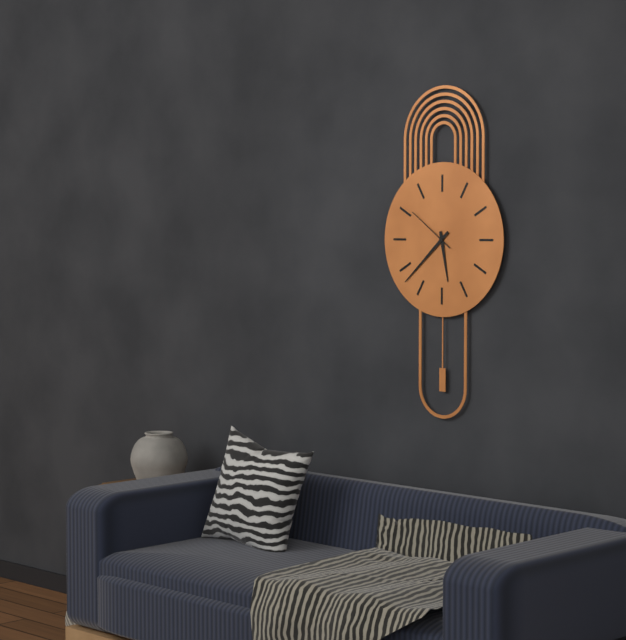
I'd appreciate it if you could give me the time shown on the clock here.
5:38:51
